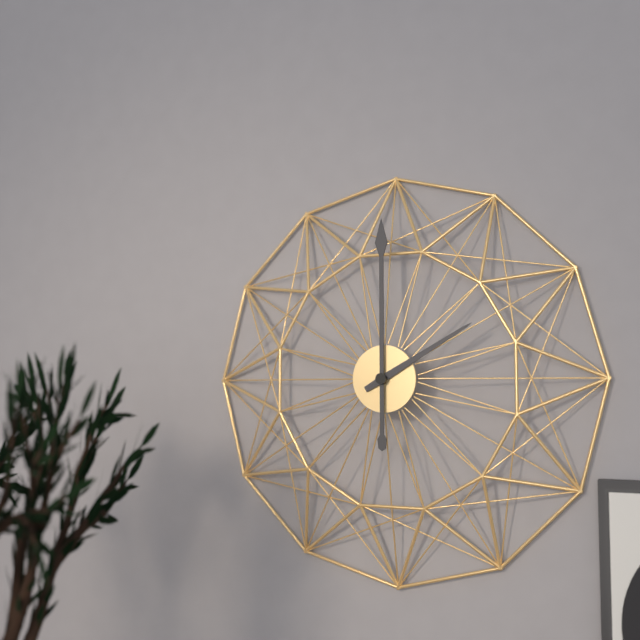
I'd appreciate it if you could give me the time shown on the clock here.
2:00
